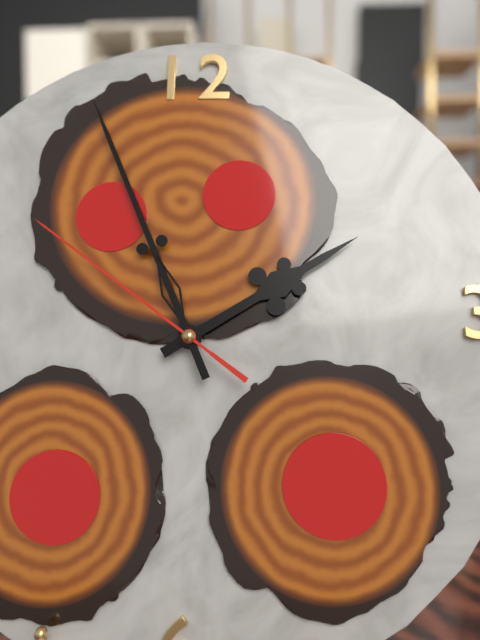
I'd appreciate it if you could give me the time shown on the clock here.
1:56:51
